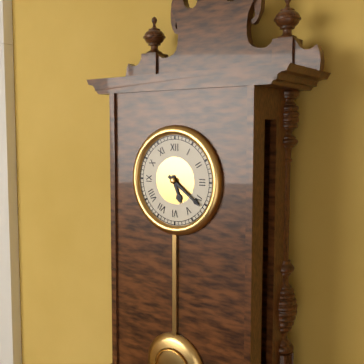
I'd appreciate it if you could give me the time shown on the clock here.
5:21
